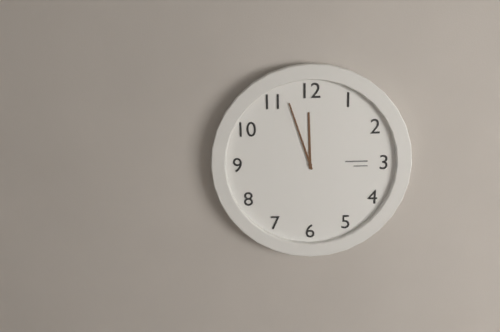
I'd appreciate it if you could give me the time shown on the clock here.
11:57
